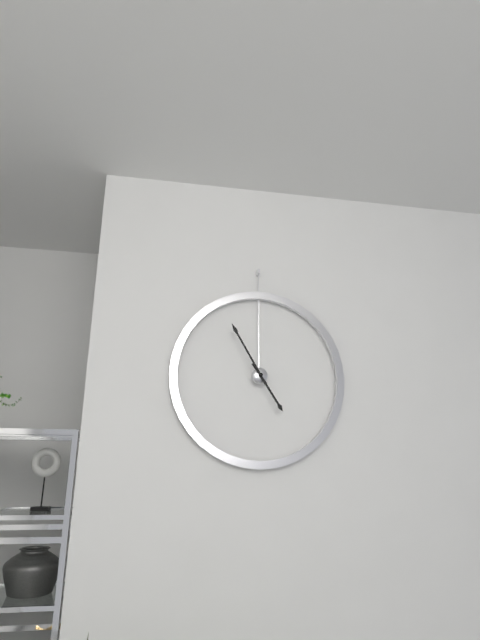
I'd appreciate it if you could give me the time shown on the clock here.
4:55
